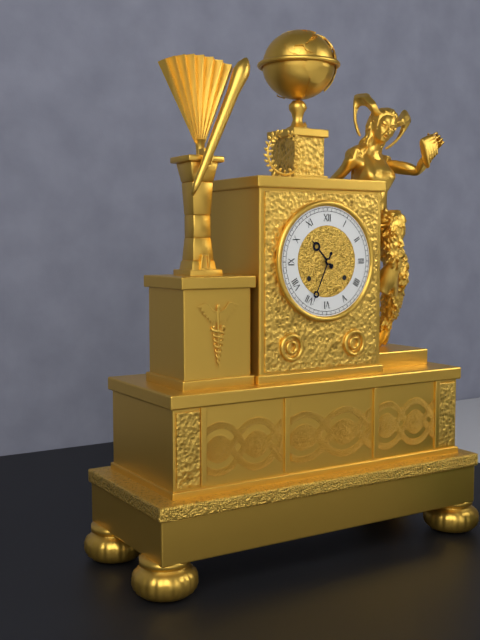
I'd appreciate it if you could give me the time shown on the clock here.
10:34
